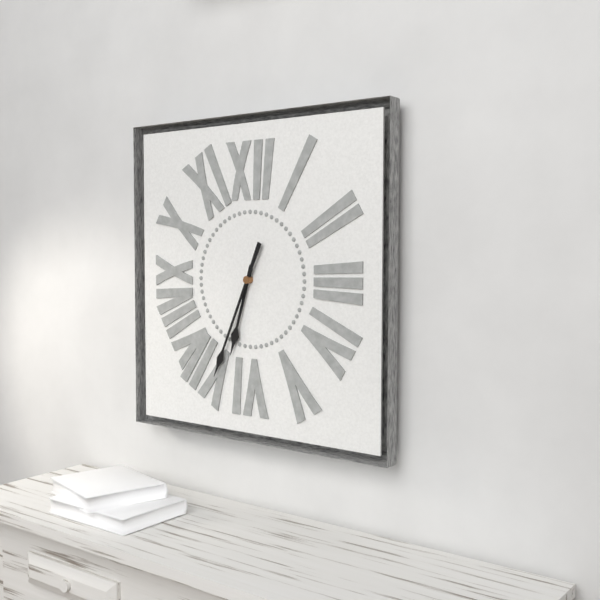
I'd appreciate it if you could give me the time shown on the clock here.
6:34
